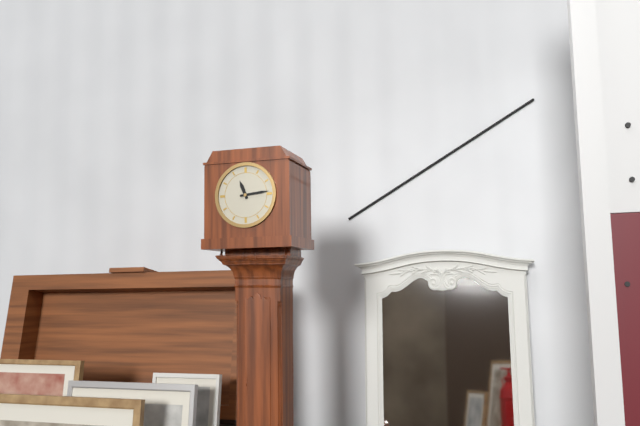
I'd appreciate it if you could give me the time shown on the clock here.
11:14
